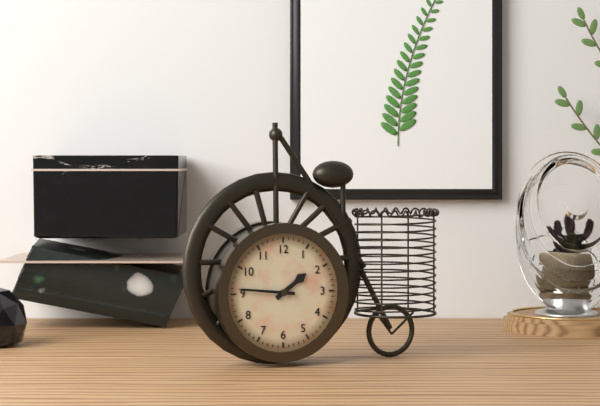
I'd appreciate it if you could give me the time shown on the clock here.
1:46
